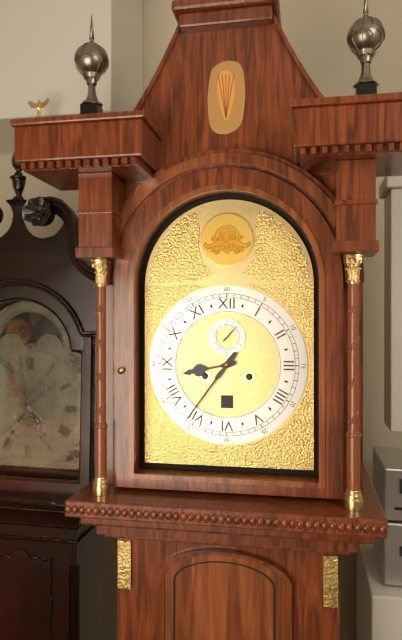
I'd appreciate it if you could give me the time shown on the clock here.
8:36
